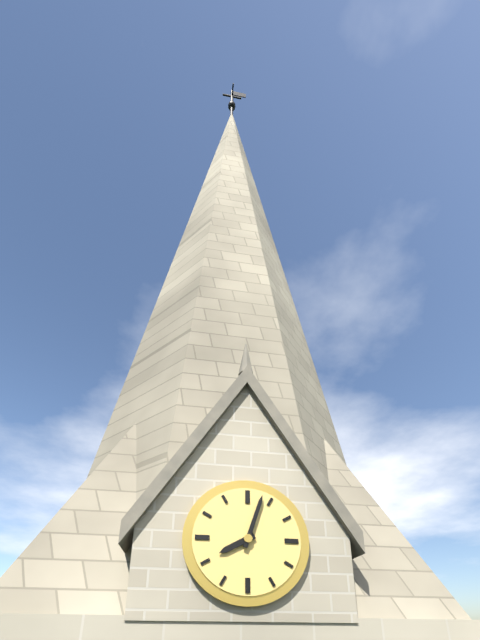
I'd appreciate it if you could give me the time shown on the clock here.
8:03
